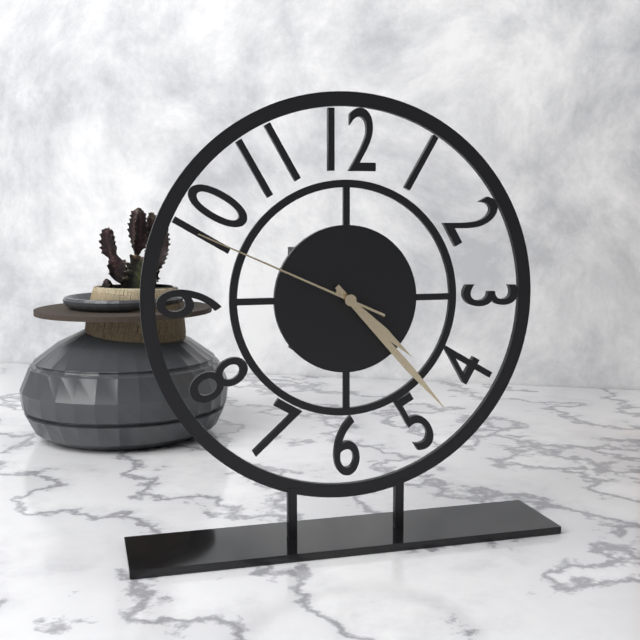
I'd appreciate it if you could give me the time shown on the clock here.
4:23:49
